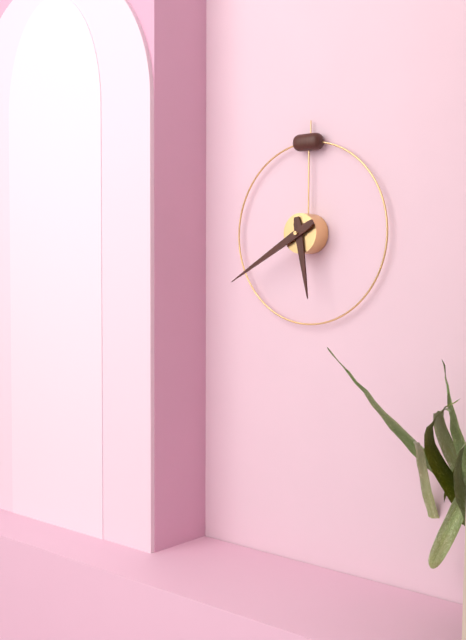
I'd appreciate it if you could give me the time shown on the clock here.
5:40
